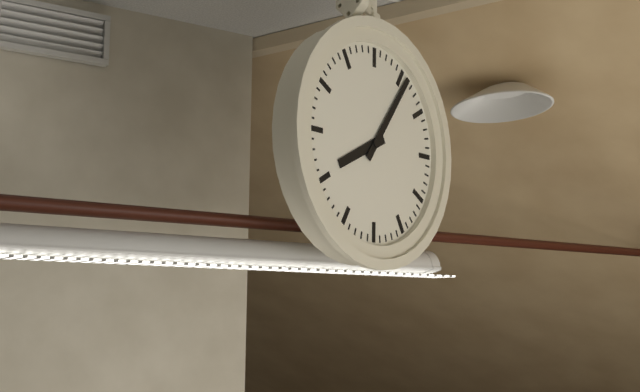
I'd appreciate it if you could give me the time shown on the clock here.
8:06
